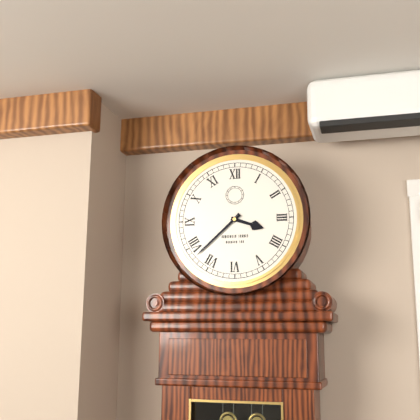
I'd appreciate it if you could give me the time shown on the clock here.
3:38
